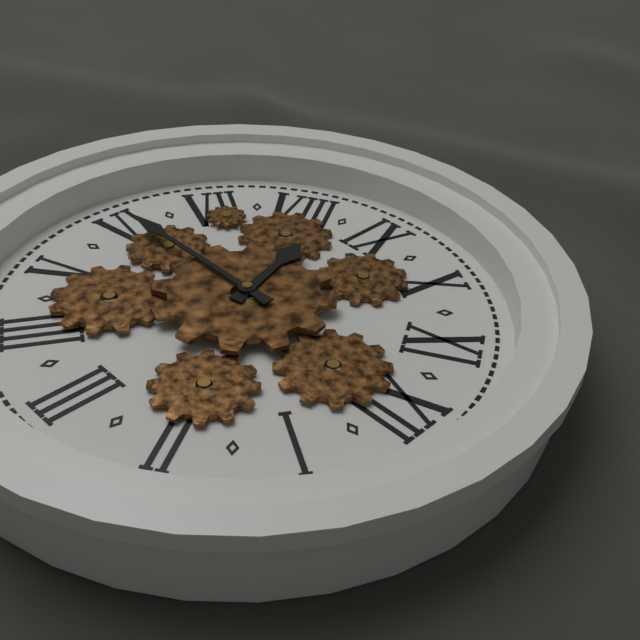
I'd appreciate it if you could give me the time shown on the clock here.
8:30
